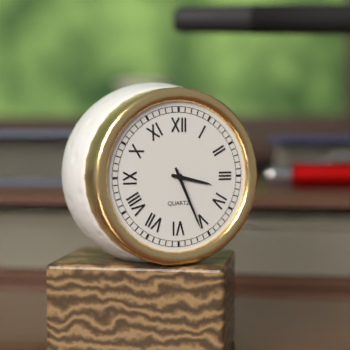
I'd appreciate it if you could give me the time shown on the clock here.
3:26
